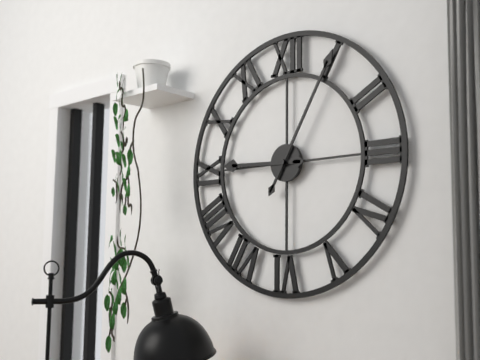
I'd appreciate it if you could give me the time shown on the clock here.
9:05
